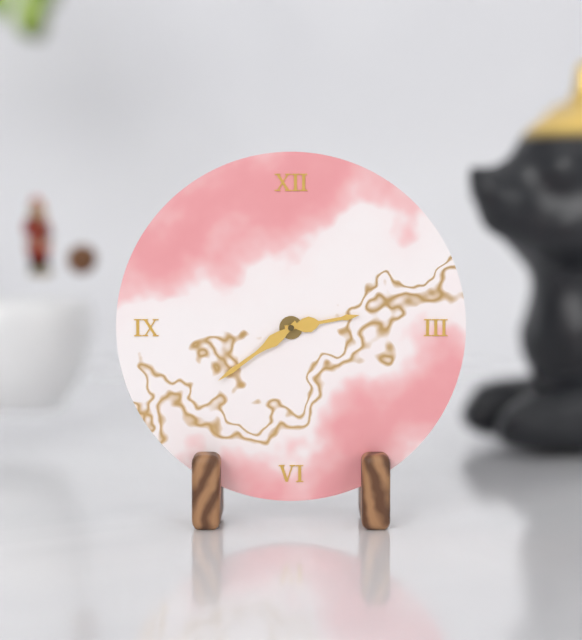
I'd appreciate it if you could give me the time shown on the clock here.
2:39
